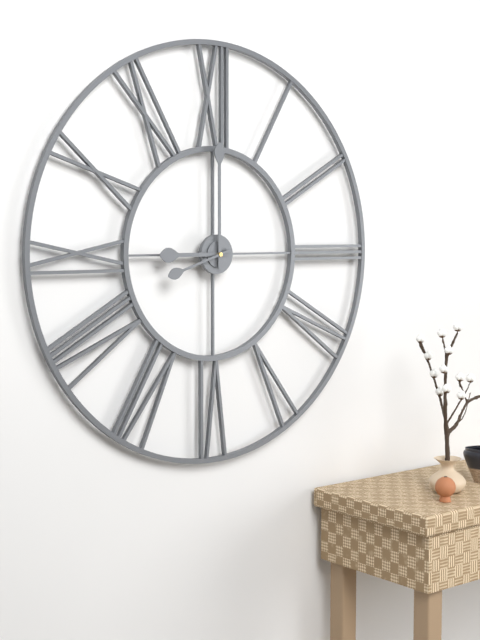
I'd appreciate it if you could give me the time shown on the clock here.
9:00:42
